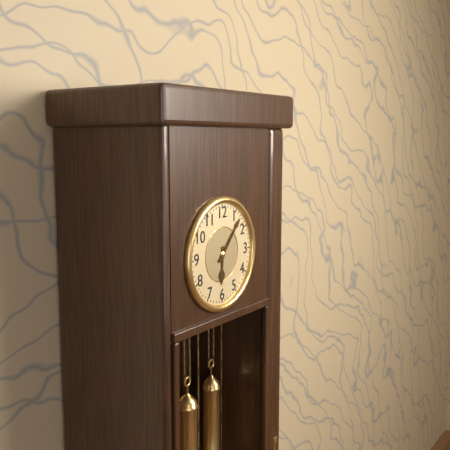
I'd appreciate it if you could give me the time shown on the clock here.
6:07
